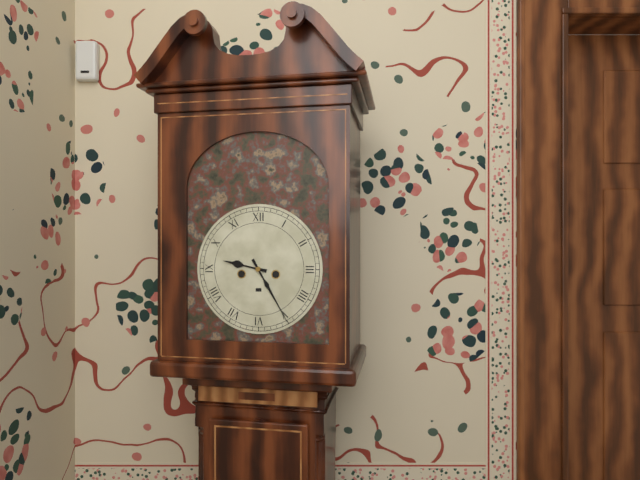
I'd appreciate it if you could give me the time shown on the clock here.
9:25
